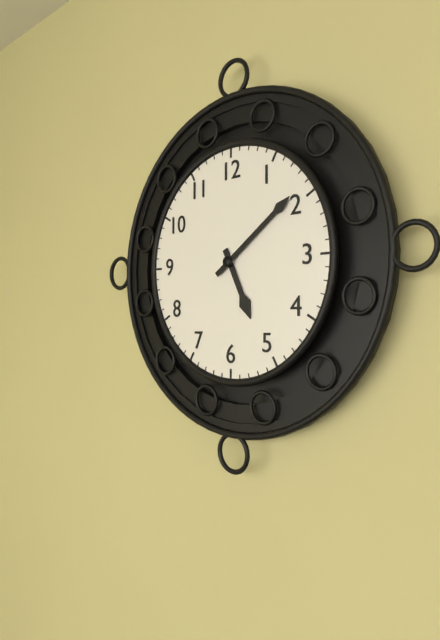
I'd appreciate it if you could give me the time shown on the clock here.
5:09
